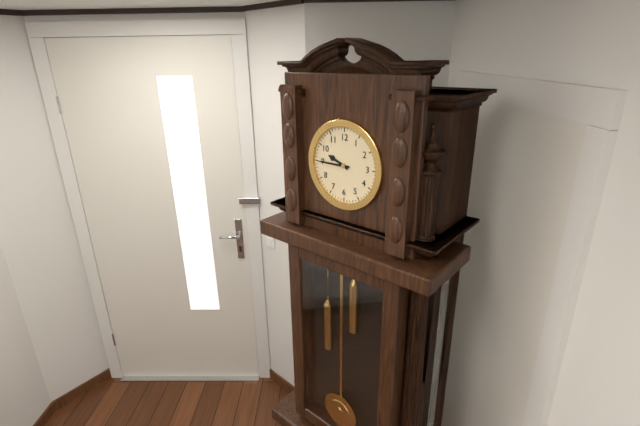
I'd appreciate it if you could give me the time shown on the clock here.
9:45
